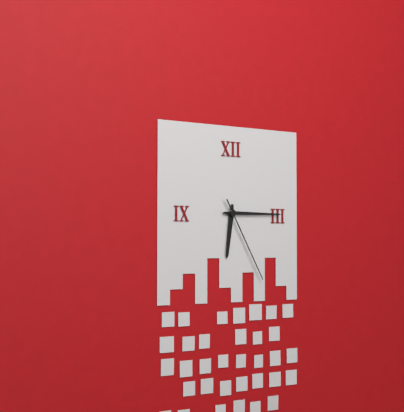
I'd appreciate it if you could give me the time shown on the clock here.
6:15:25
